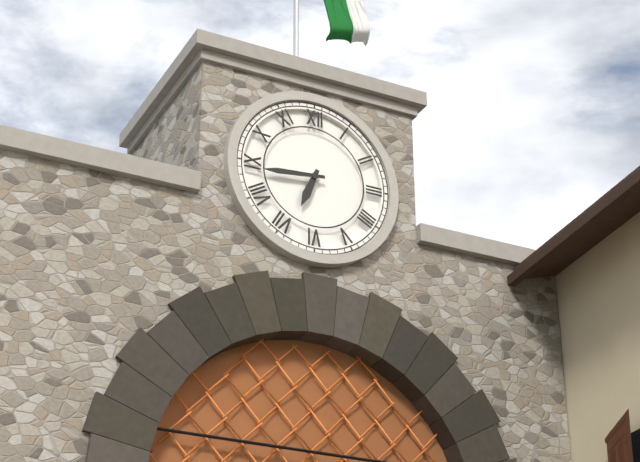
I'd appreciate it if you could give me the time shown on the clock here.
6:44
